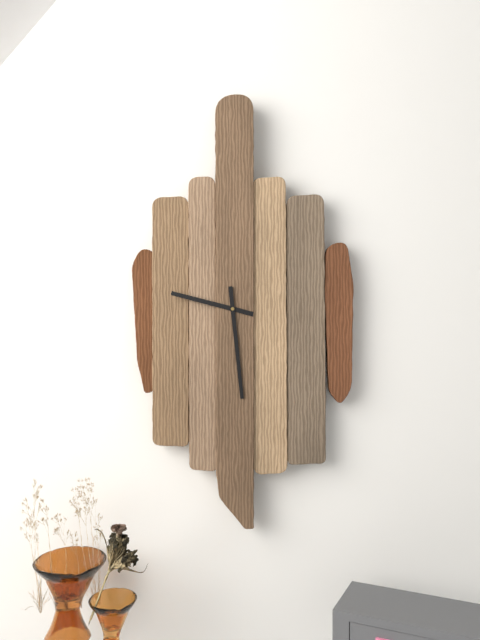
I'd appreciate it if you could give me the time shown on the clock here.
9:29
